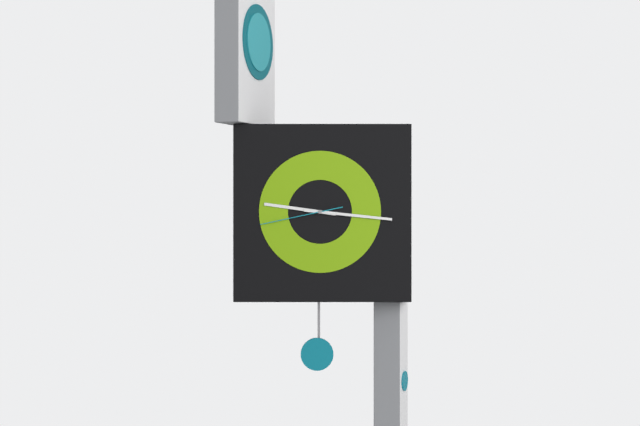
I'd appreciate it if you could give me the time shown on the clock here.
9:16:43
